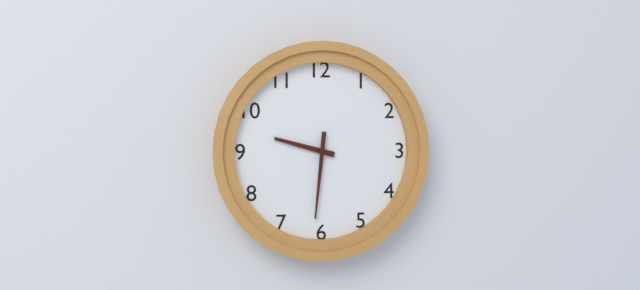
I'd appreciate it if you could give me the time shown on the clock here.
9:31
